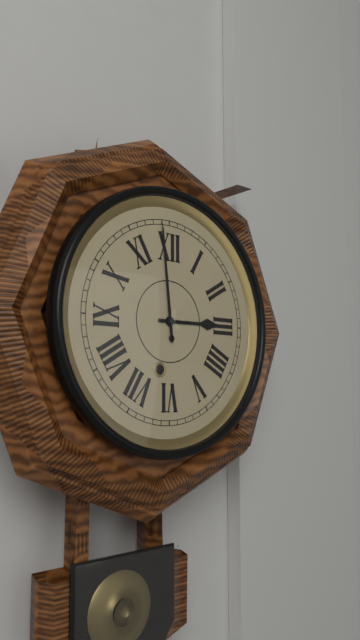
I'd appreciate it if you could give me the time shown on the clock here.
2:59
